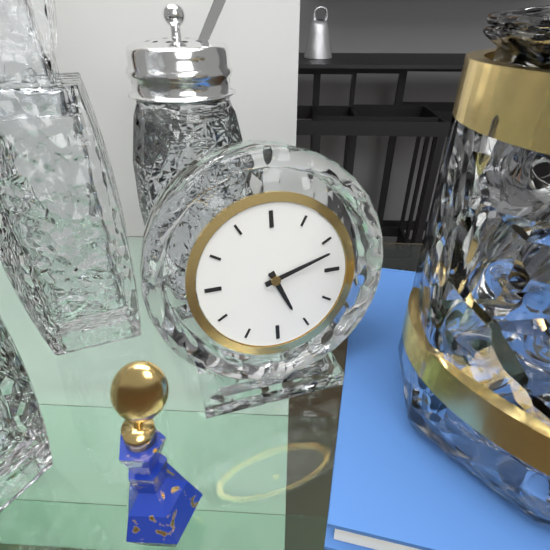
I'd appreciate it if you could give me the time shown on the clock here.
5:12
